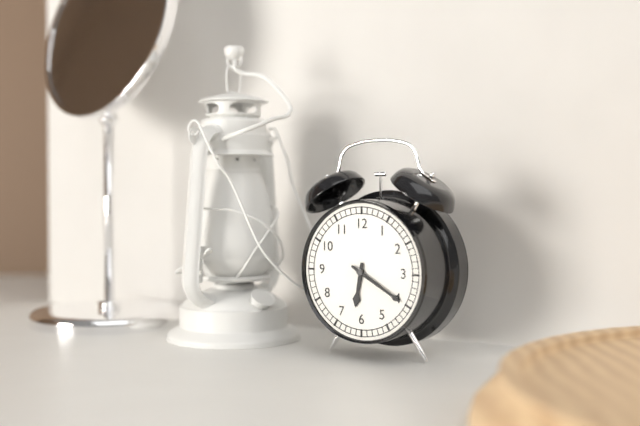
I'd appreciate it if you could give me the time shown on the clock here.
6:20
